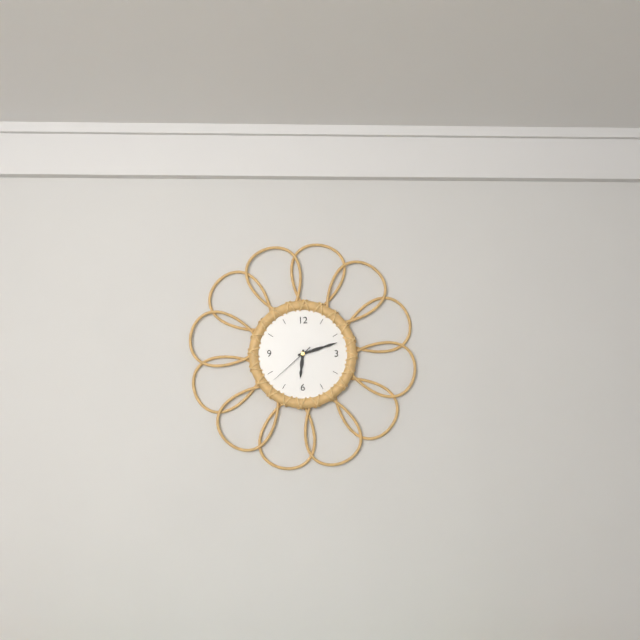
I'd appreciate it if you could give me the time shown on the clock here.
6:12
